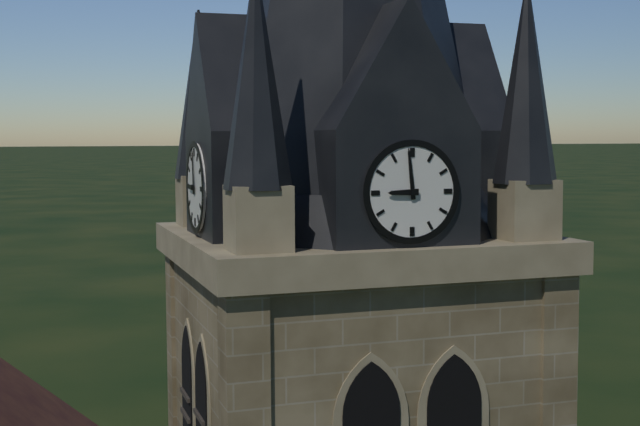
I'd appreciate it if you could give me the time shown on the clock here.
8:59
